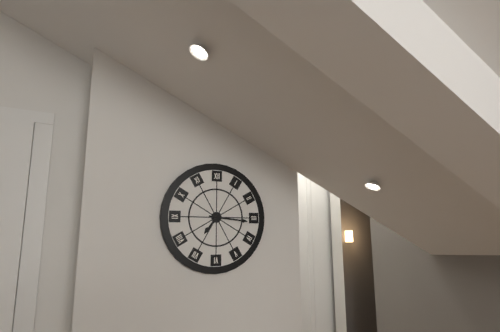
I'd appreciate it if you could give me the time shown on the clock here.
7:16
